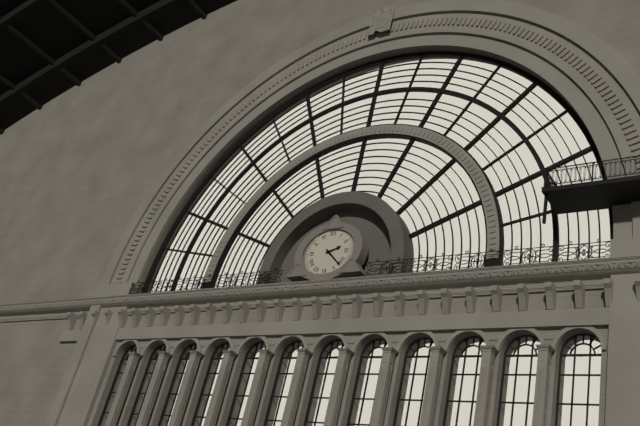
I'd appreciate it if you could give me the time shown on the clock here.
2:22
